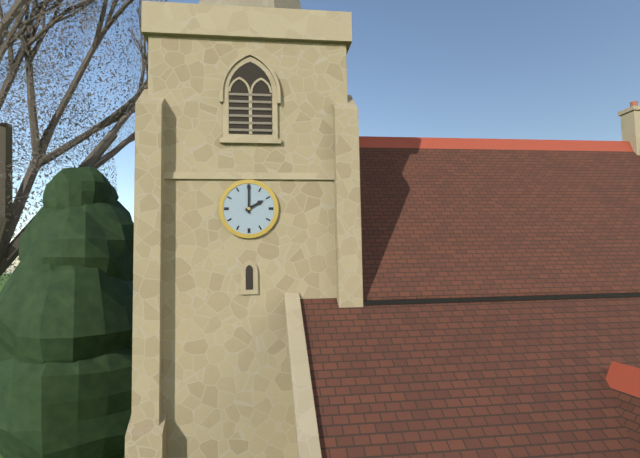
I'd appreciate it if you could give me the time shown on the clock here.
2:00
